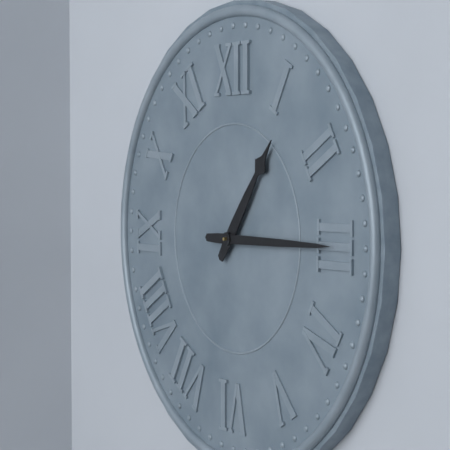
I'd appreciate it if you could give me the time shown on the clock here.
1:15
